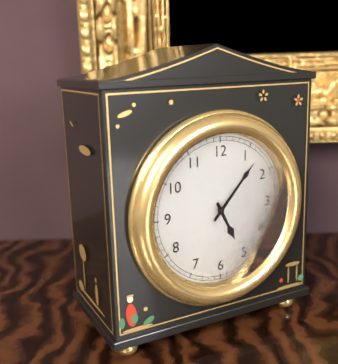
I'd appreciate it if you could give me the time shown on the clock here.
5:07
